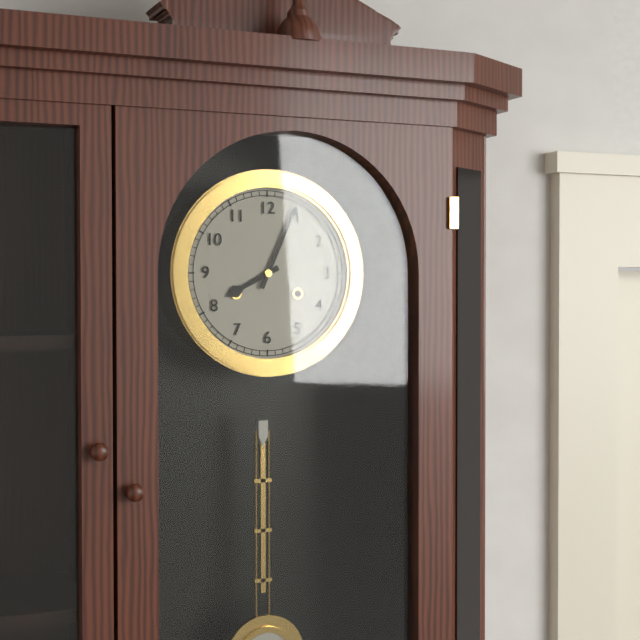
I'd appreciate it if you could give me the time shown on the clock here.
8:04
